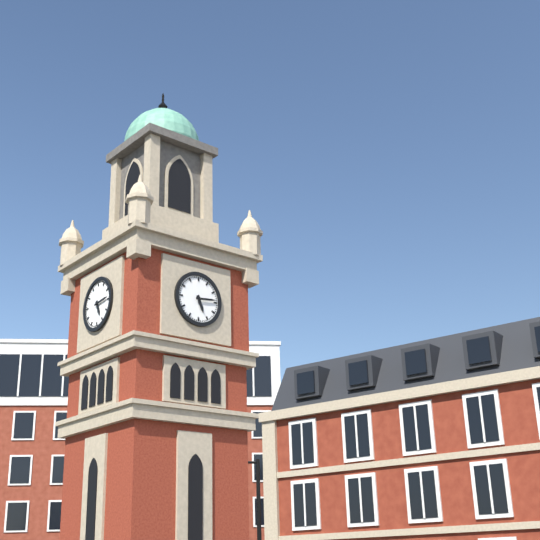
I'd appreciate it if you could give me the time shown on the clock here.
5:14
